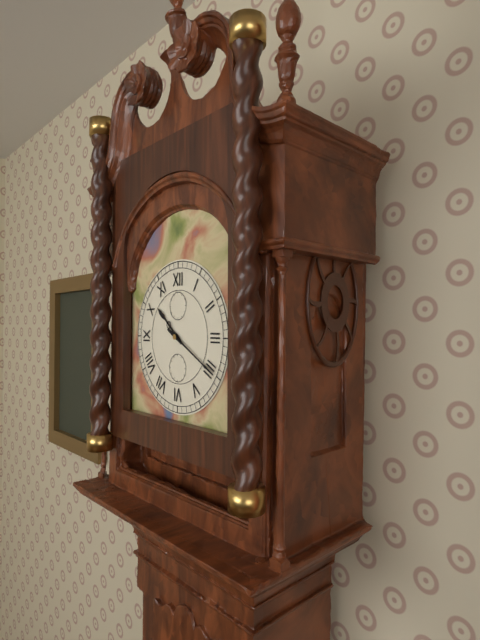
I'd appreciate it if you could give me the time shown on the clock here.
10:20
